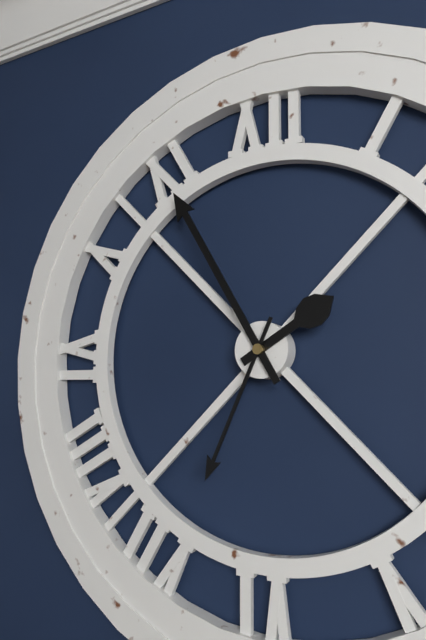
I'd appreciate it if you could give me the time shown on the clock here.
1:55:34
